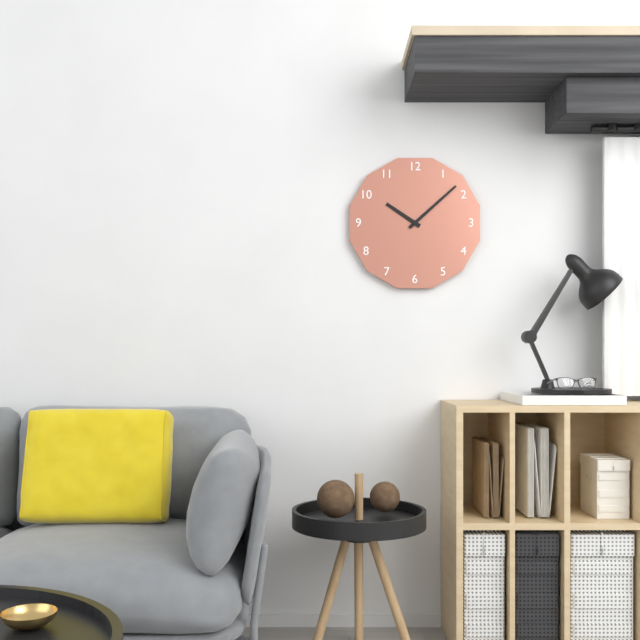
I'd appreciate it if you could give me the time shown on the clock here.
10:08
